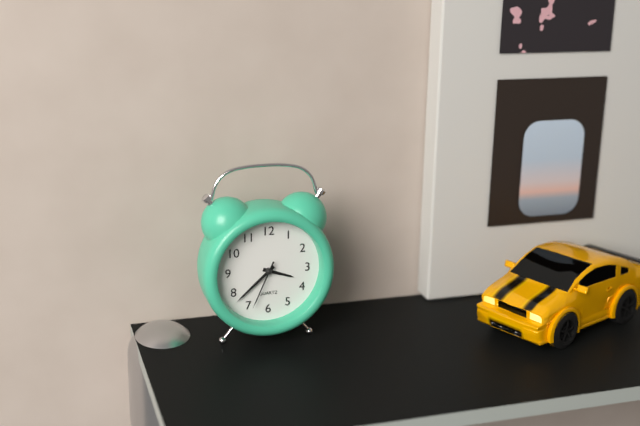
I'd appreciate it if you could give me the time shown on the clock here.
3:38
